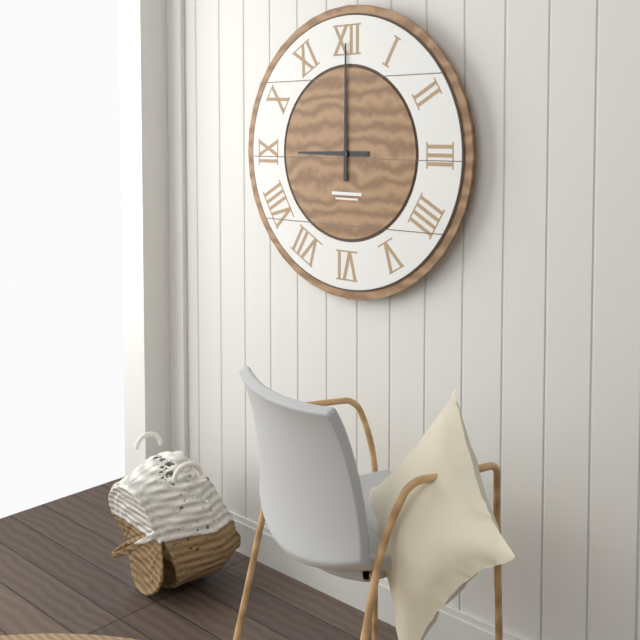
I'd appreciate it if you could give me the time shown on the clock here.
9:00
